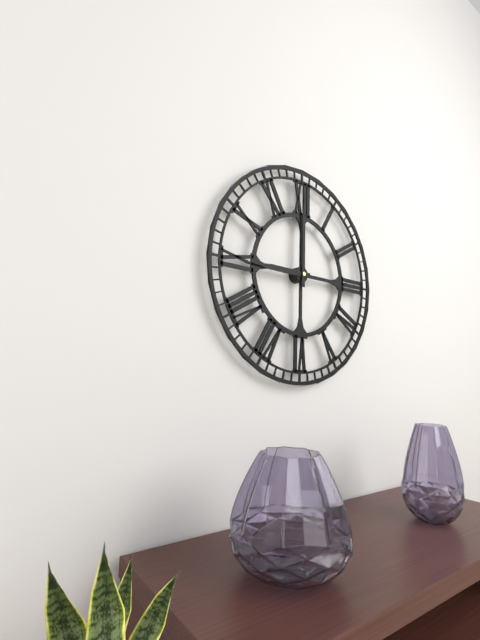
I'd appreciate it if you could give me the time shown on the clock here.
9:00
